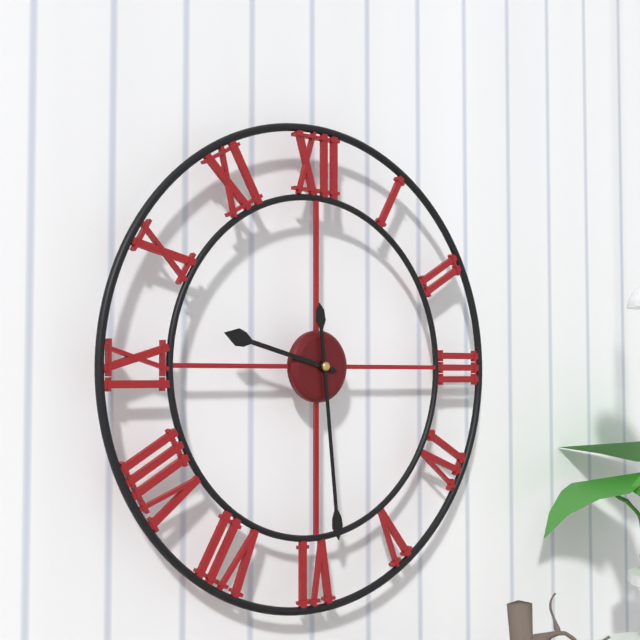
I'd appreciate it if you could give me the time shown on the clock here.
9:29
